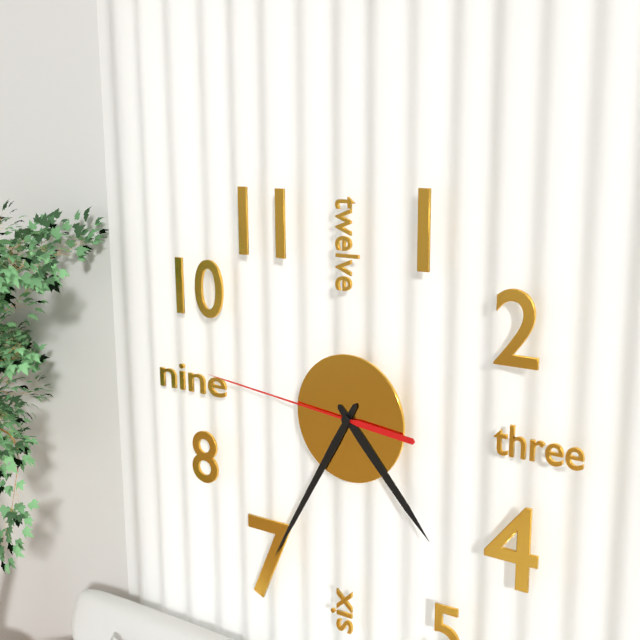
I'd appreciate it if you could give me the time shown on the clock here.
4:35:46
